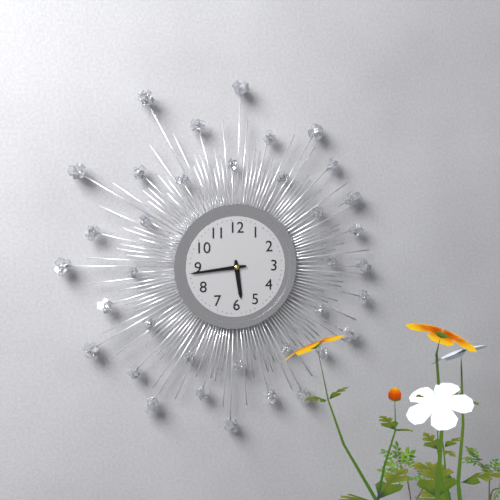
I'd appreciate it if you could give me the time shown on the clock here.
5:44
